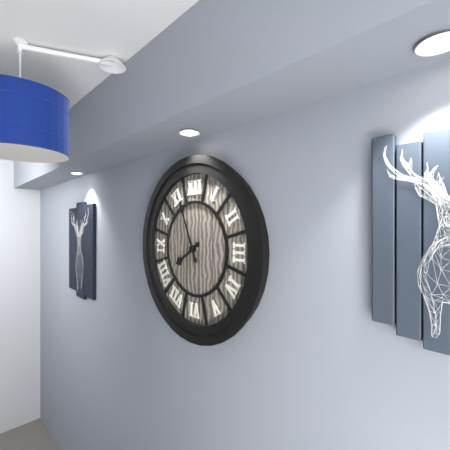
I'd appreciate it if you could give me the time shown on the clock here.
7:56
